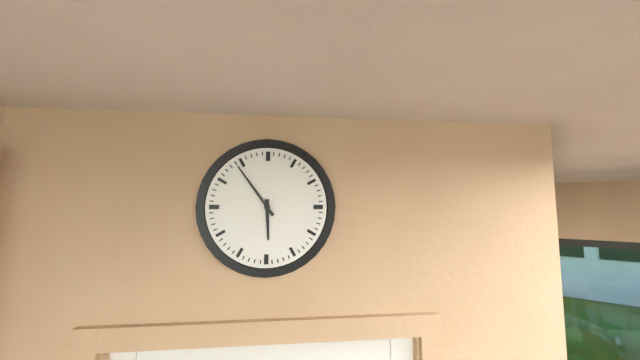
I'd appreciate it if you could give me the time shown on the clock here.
5:54
